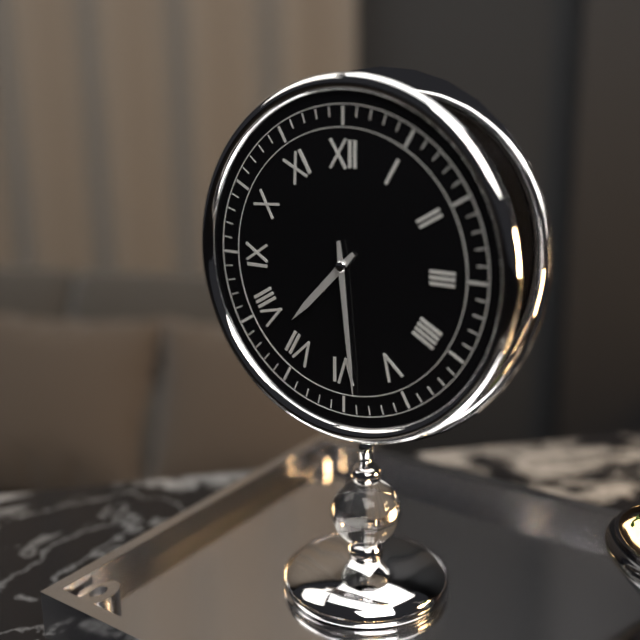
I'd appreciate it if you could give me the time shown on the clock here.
7:29
